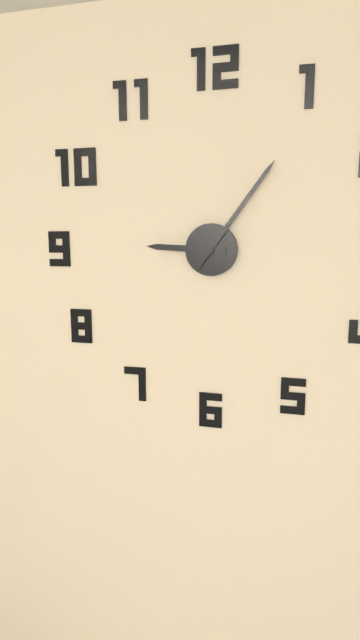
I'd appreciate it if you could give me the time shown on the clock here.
9:06
